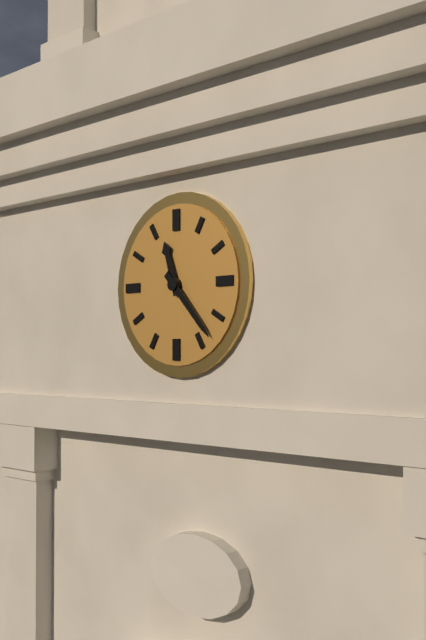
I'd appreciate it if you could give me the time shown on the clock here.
11:23
